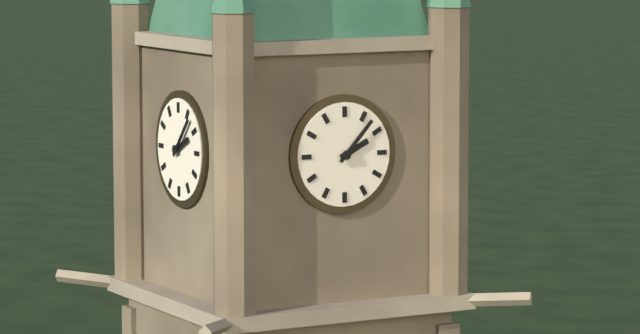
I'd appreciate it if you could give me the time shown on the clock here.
2:07
